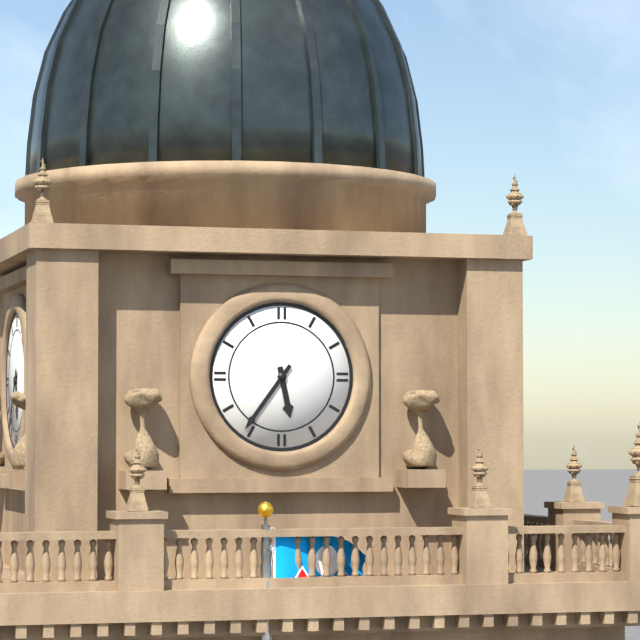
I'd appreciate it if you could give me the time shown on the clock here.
5:36
